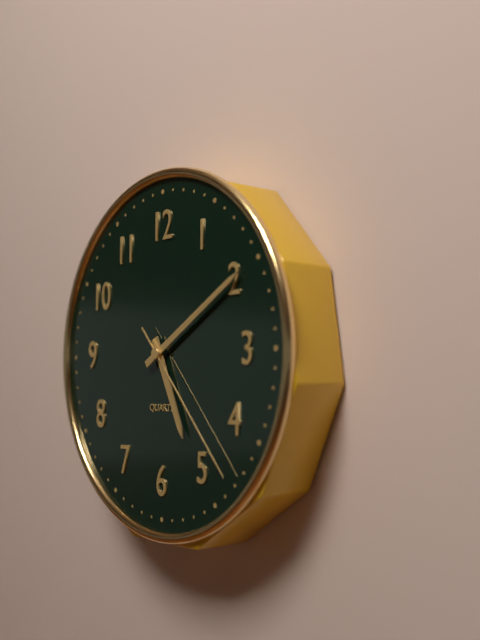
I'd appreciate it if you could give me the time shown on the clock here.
5:10:23
